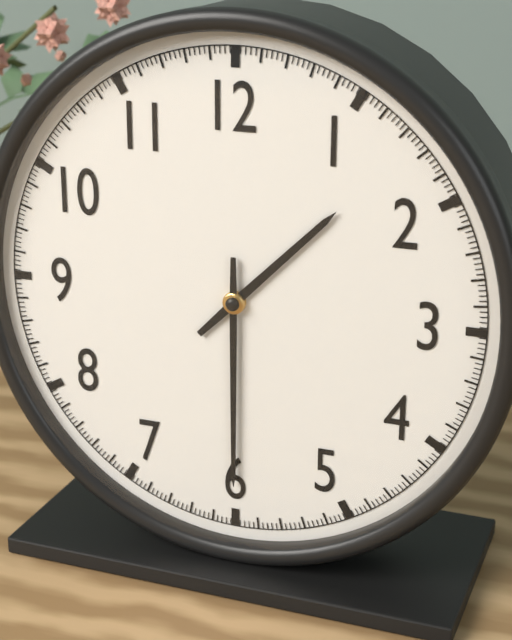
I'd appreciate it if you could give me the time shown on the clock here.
1:30
